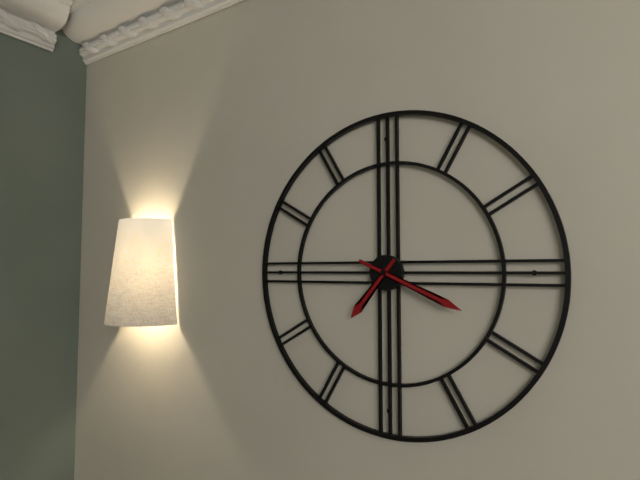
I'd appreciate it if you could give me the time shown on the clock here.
7:19
